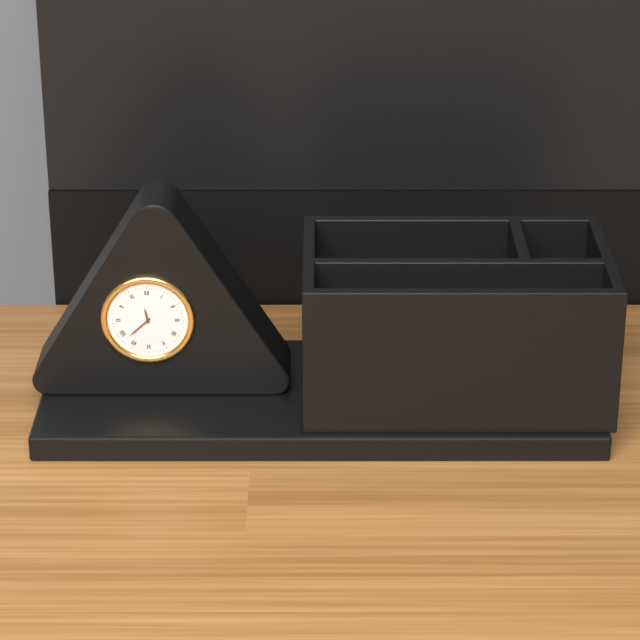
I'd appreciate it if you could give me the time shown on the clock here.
11:38
